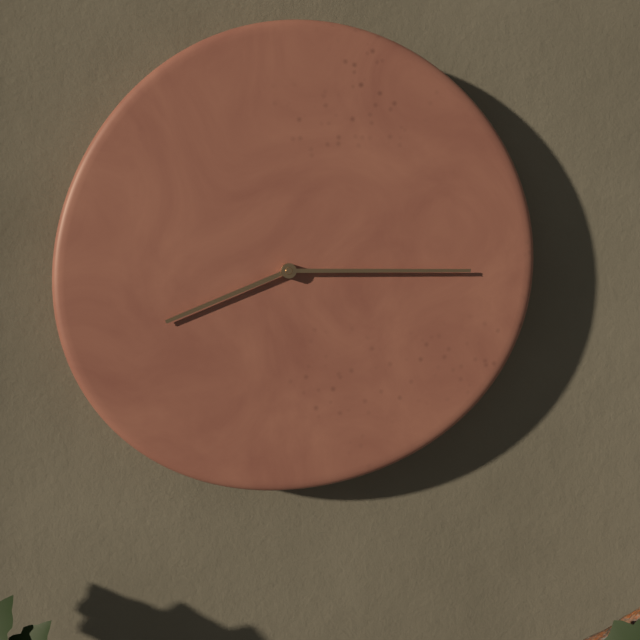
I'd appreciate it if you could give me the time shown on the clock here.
8:15
